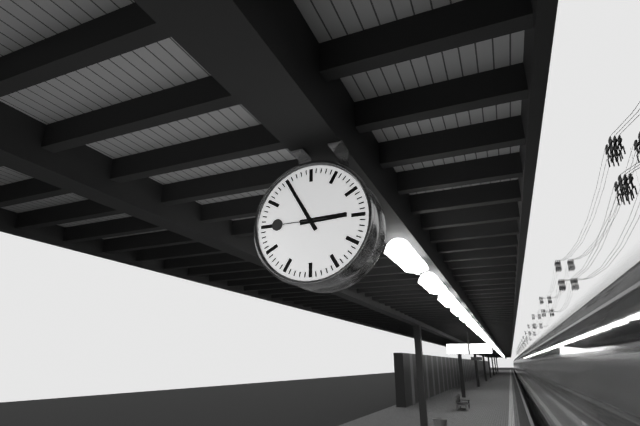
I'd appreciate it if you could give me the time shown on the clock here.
2:55:45
